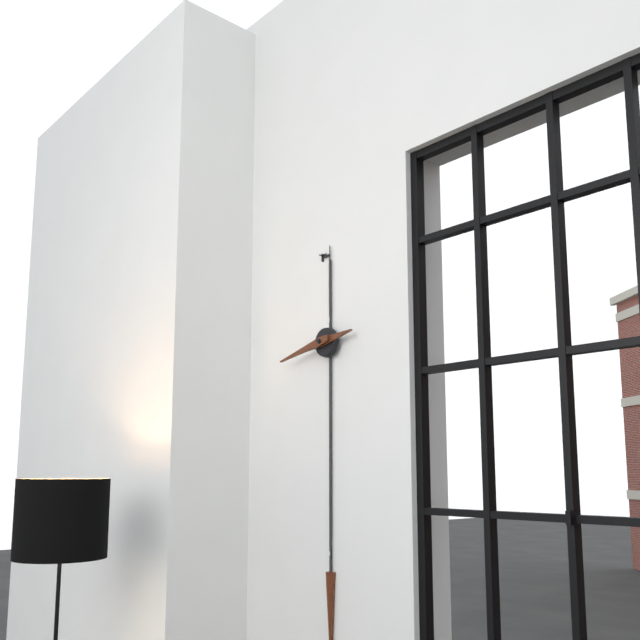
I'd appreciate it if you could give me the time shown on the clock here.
2:43
